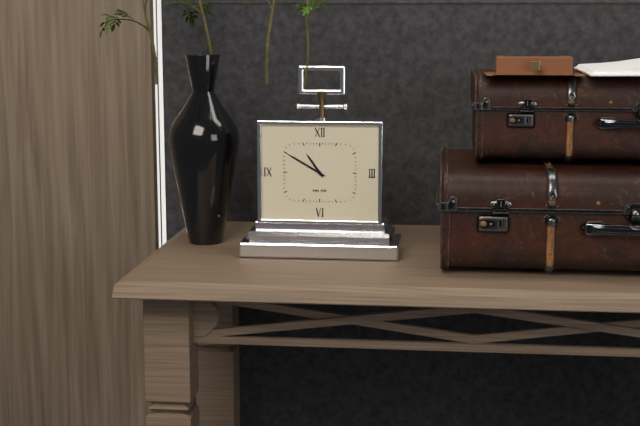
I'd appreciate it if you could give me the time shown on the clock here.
10:50
